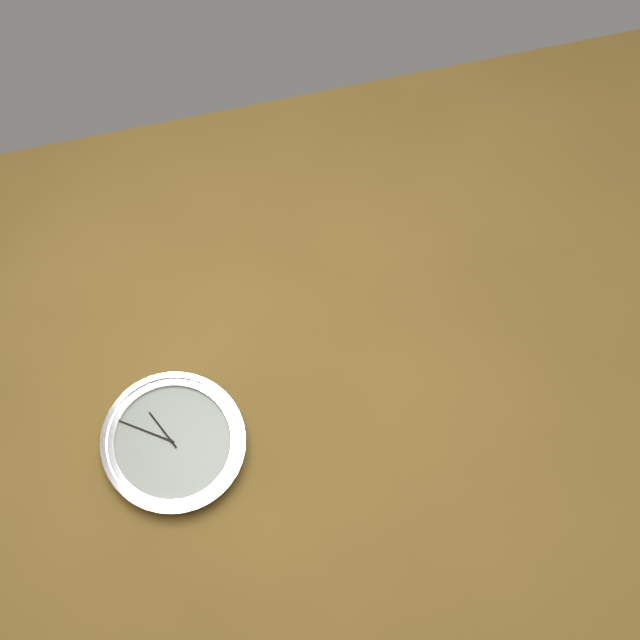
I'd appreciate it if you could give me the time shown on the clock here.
10:49
